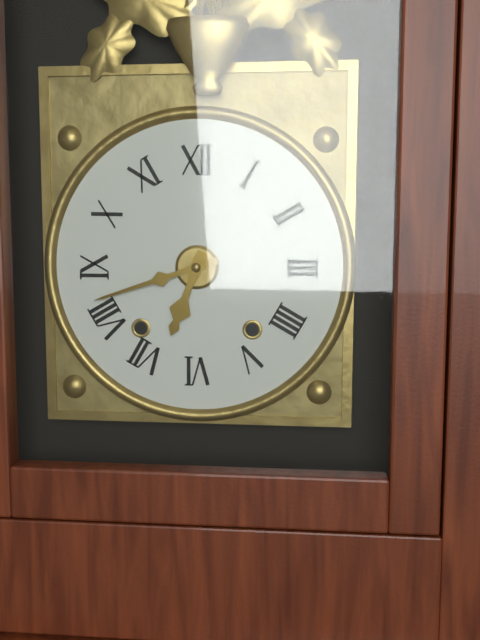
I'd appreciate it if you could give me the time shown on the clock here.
6:42
